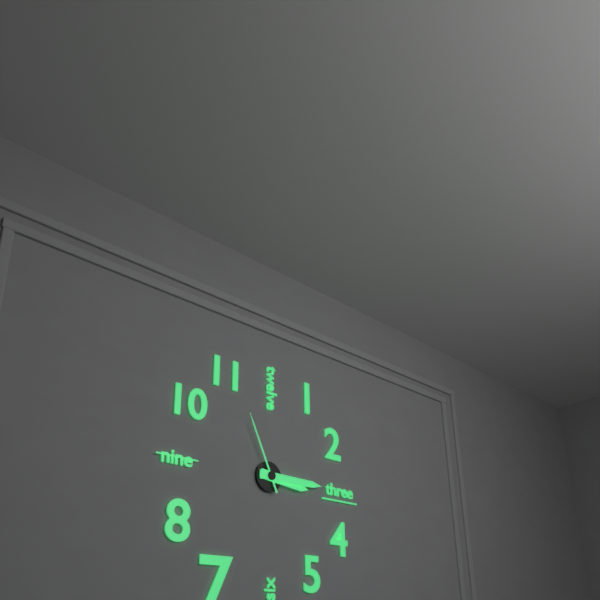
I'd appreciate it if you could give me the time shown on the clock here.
3:15:56
